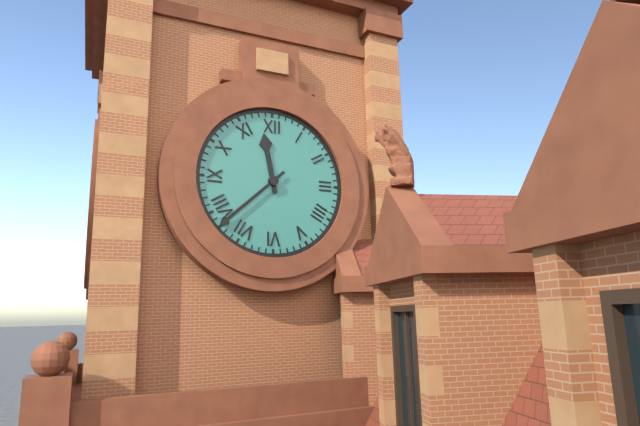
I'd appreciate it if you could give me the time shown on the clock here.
11:38
